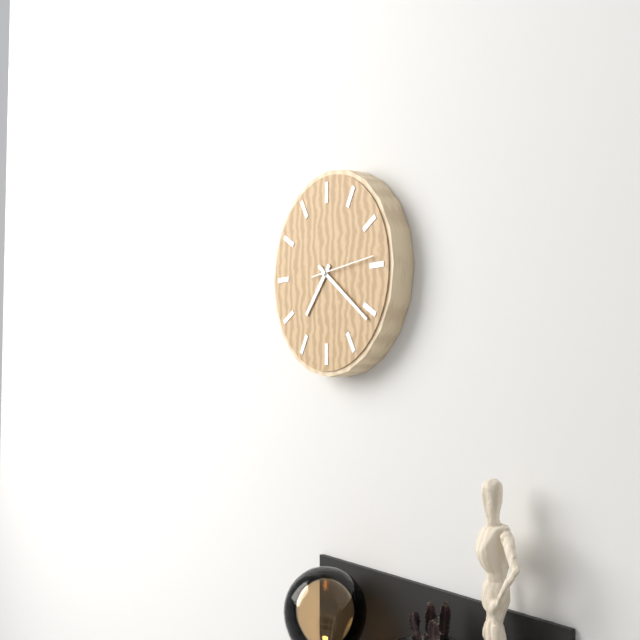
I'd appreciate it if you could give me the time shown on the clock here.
7:21:14
